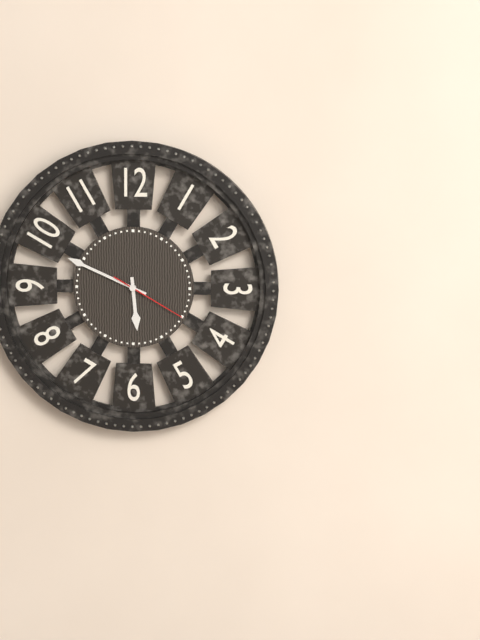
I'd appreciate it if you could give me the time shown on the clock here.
5:49:20
